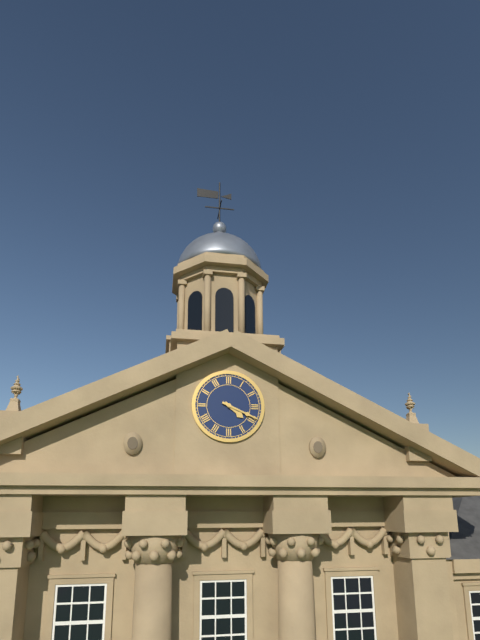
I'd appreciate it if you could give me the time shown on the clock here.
4:19
